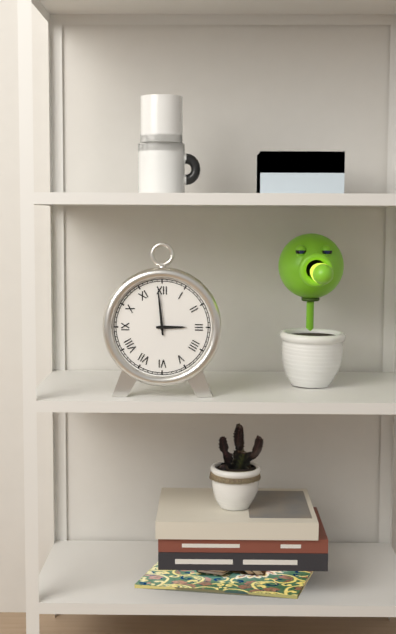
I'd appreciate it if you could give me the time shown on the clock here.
2:59
